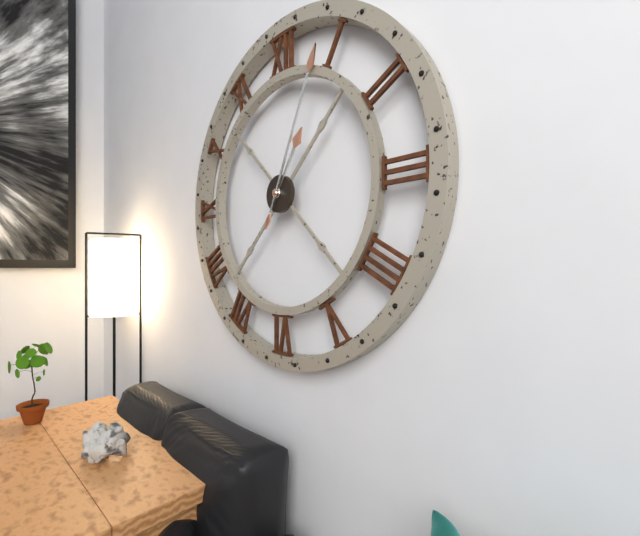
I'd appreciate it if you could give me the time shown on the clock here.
1:04
